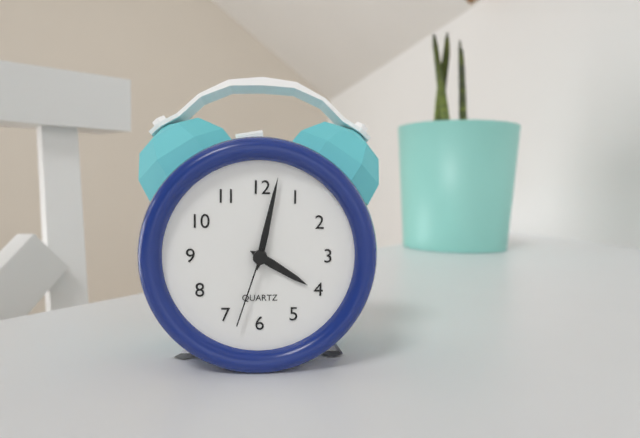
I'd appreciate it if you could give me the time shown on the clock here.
4:02:33
